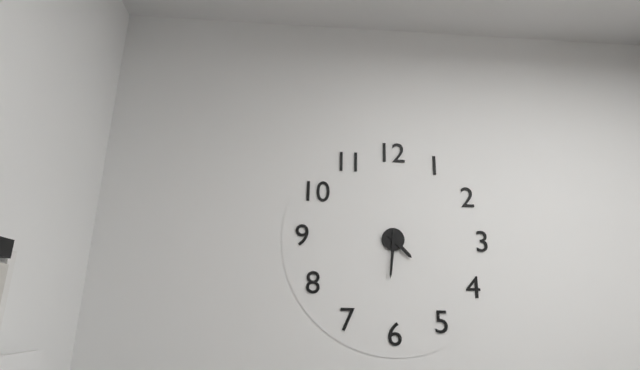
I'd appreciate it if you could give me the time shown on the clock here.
4:31
